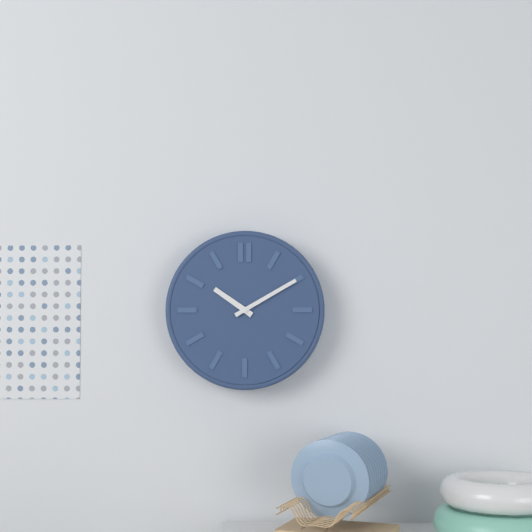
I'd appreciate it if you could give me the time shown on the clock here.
10:10
